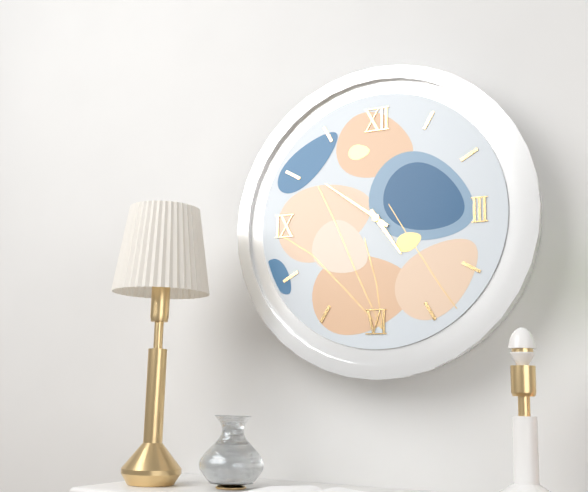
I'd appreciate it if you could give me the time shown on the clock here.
4:51
